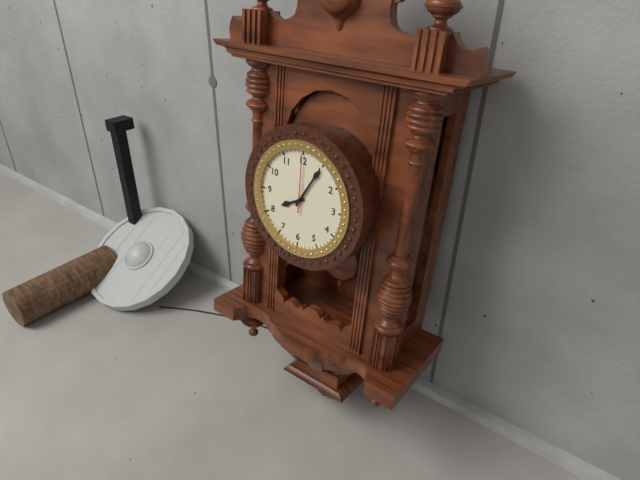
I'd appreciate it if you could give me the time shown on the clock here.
8:05:00
